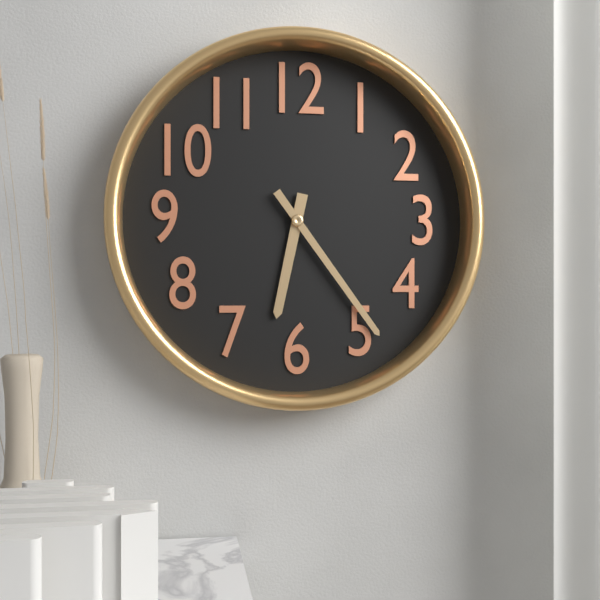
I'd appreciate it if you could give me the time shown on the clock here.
6:24
